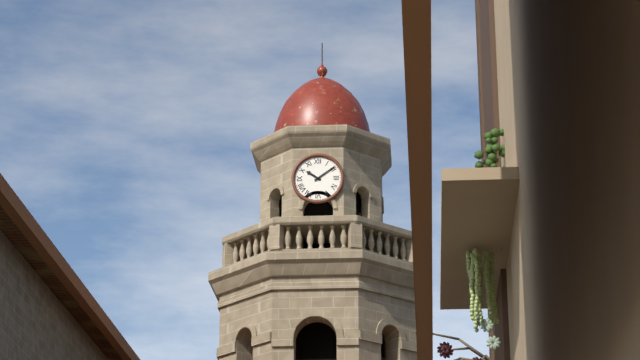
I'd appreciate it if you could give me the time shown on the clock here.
10:09
